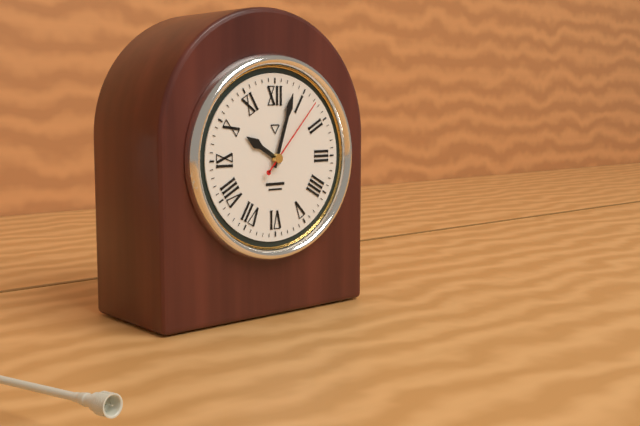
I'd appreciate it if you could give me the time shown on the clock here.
10:03:07
